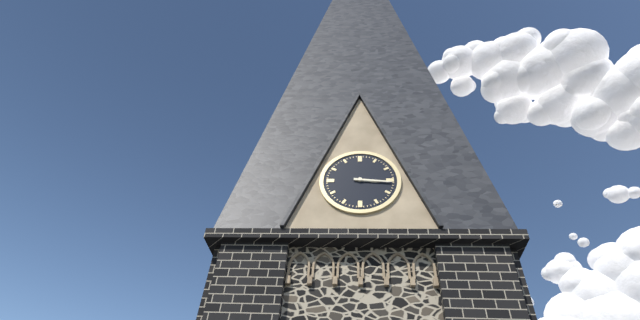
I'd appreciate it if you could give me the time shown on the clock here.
3:16
